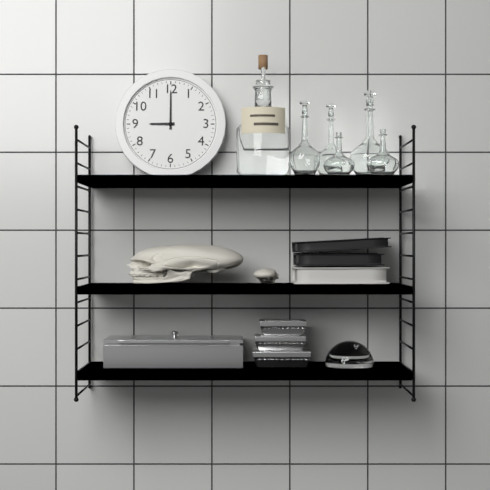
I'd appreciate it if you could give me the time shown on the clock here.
9:00
